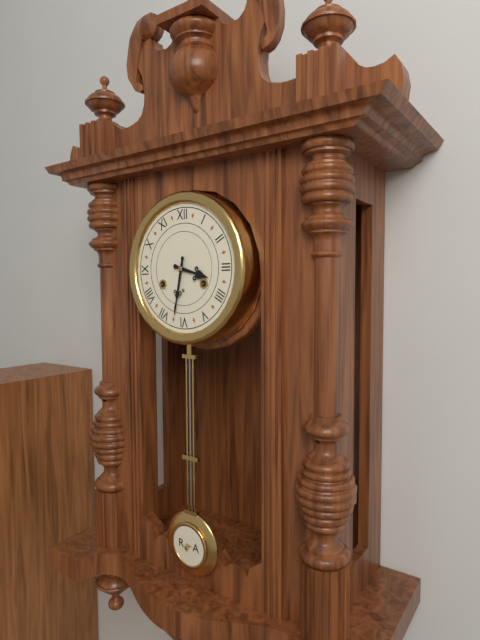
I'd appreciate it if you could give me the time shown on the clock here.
3:32
